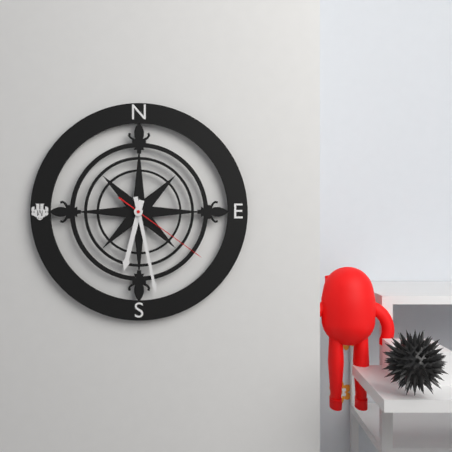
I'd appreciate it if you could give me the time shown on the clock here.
6:28:21
